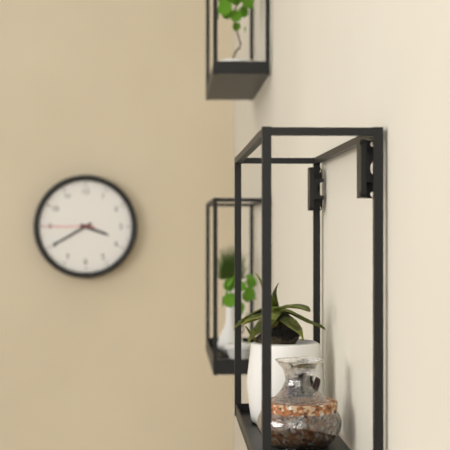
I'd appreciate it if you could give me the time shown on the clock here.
3:40:45
